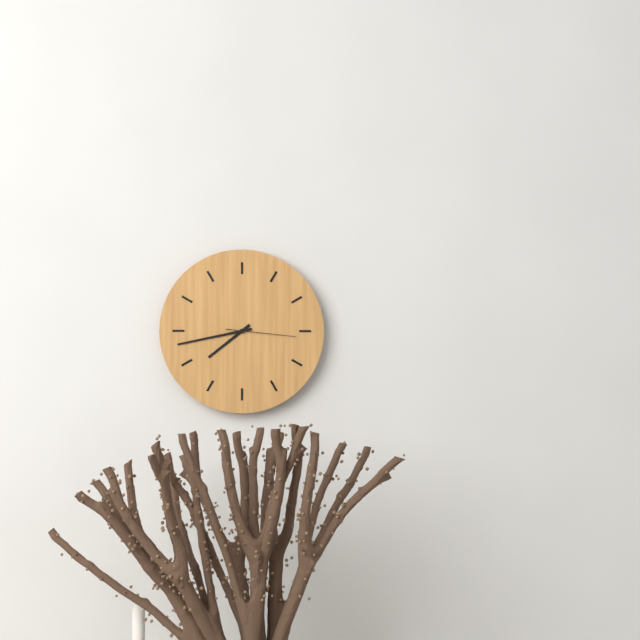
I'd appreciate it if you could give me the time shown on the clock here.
7:43:16
